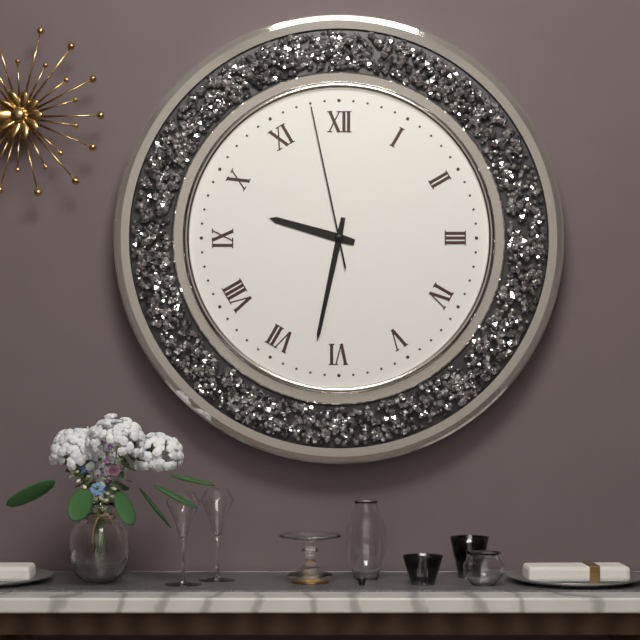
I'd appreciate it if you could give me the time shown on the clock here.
9:32:58
